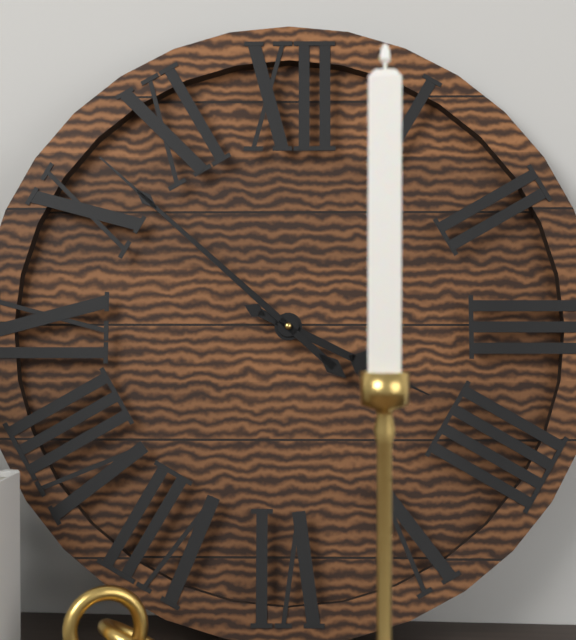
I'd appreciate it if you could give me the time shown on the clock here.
3:52
